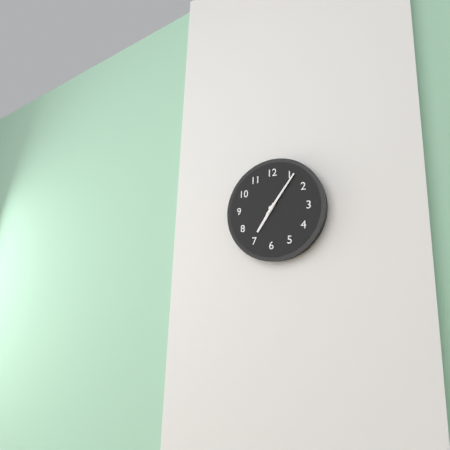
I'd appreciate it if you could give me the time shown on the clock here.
7:06
